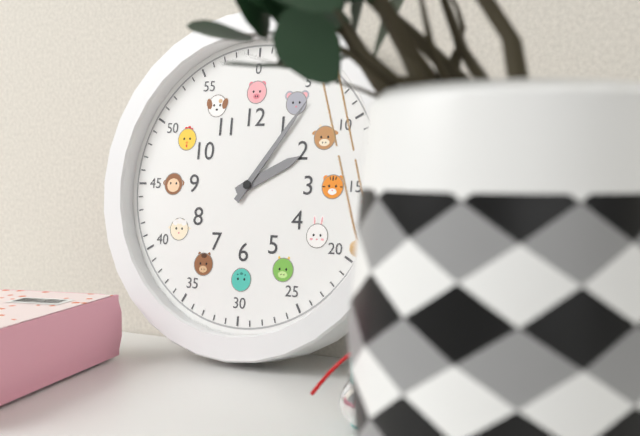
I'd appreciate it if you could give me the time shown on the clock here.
2:06
